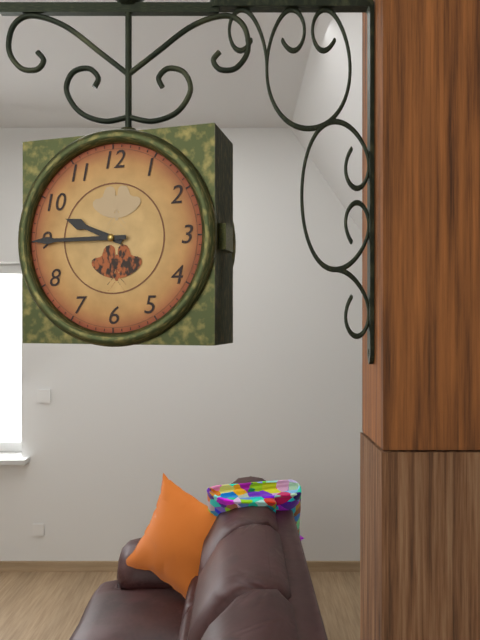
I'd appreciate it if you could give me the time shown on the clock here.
9:45
